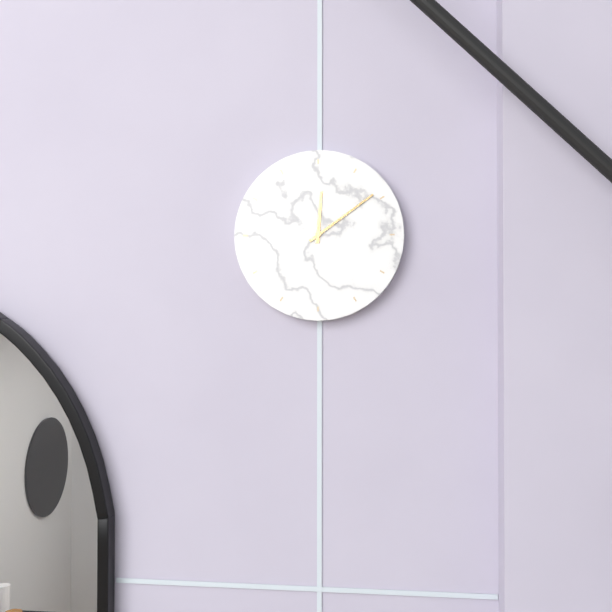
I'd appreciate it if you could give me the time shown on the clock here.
12:09
